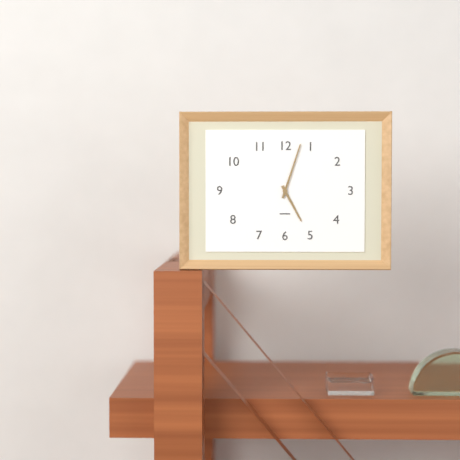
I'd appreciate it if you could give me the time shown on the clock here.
5:03
